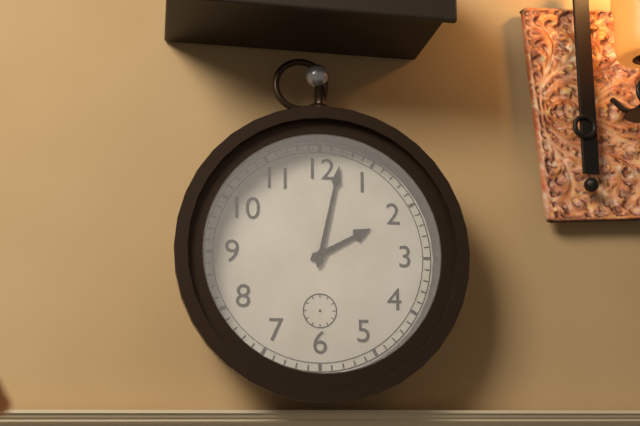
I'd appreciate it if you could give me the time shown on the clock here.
2:02
